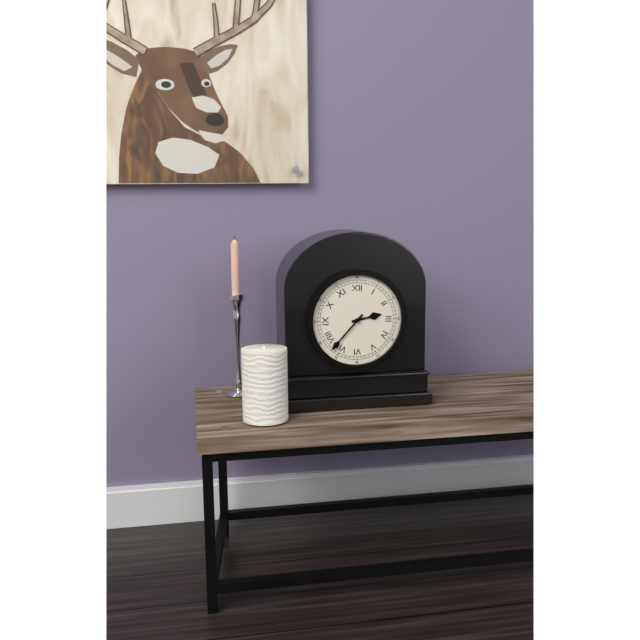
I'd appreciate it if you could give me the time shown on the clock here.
2:37
